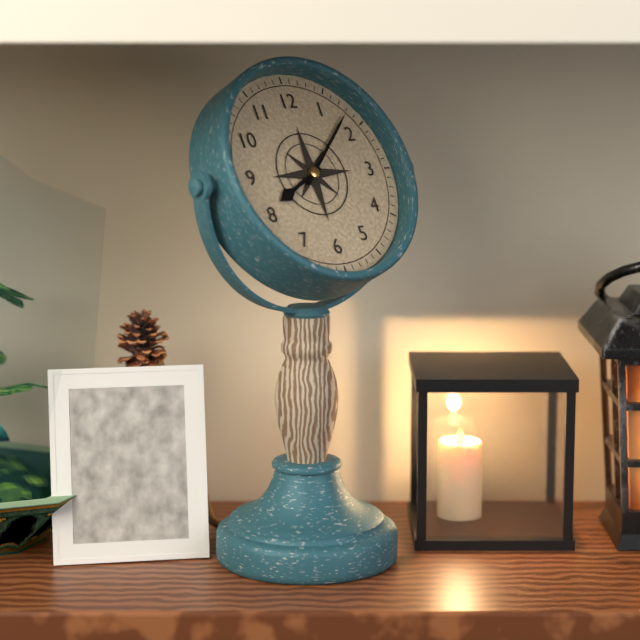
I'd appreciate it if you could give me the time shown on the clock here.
8:08
